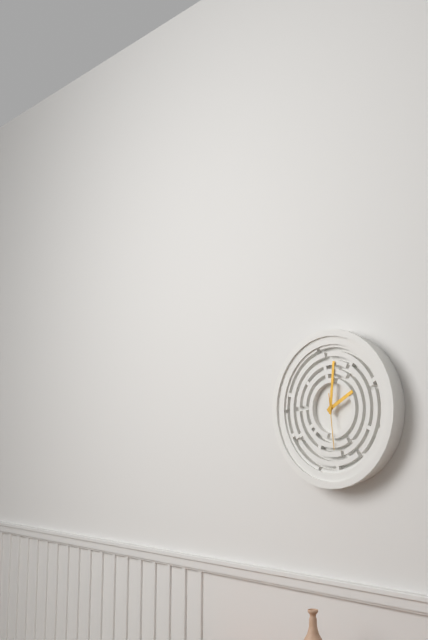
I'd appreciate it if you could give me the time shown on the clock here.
2:01:29
